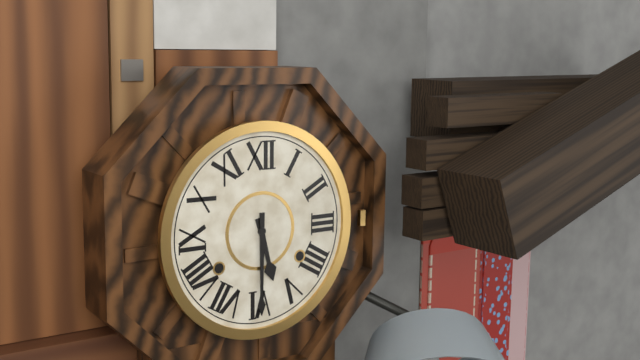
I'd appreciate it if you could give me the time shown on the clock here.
5:30
